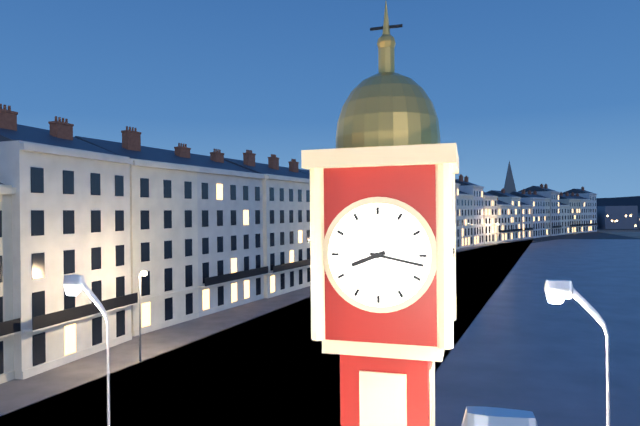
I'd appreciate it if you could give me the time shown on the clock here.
8:17
